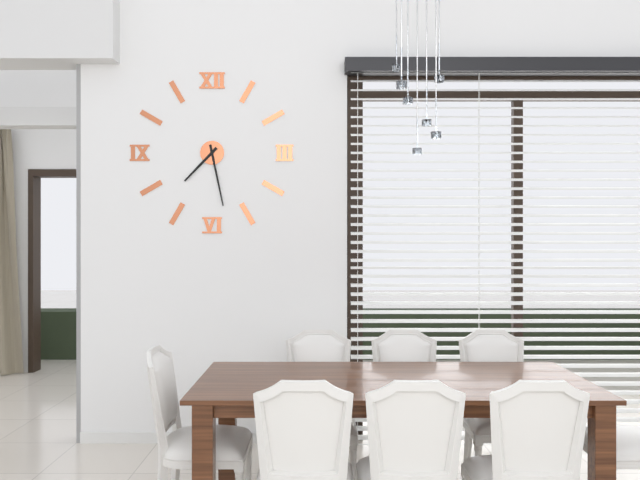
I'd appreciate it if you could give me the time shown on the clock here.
7:28
